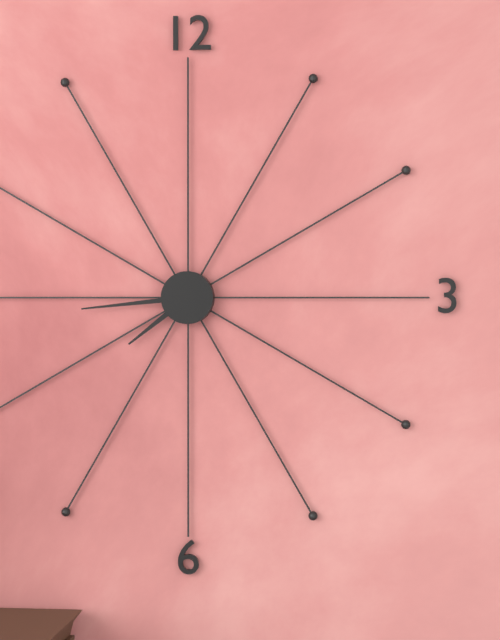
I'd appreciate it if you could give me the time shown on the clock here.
7:44
